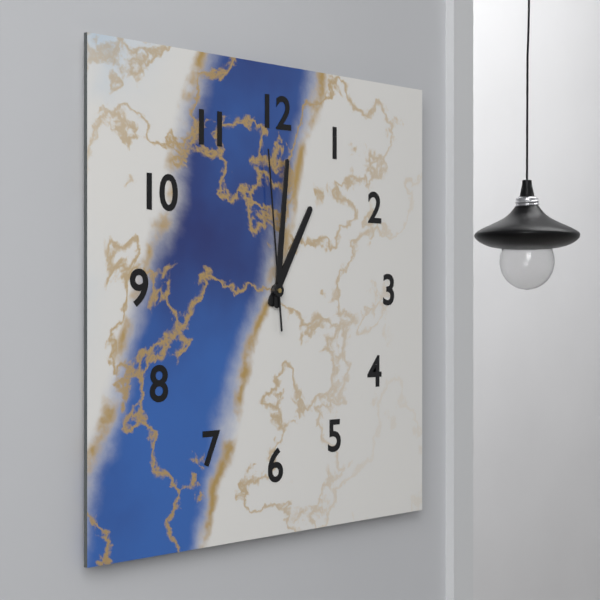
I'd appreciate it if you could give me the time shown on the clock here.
1:01:59
